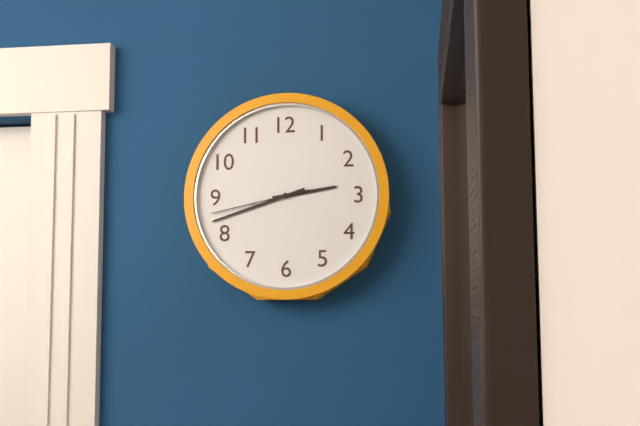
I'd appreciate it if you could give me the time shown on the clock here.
2:42:43
